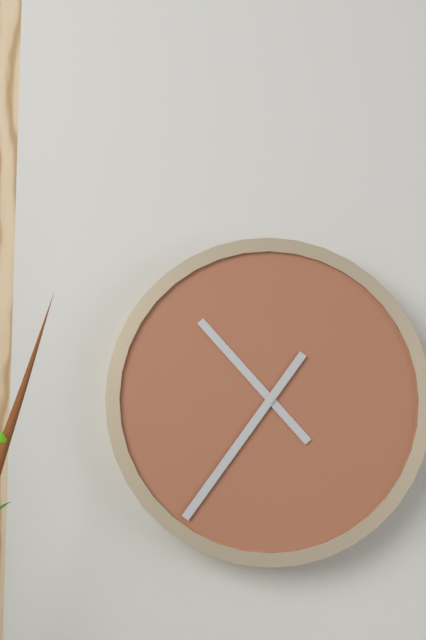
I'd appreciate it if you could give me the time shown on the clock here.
10:36
